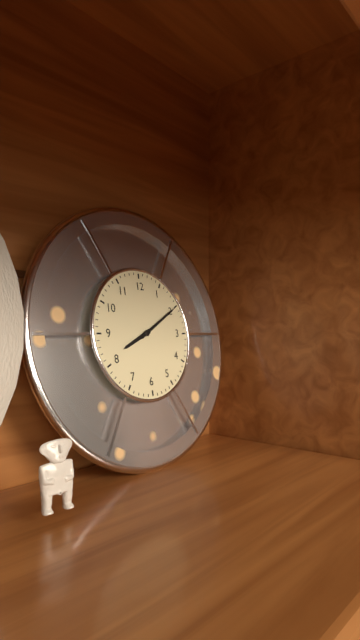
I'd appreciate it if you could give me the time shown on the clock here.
8:10
